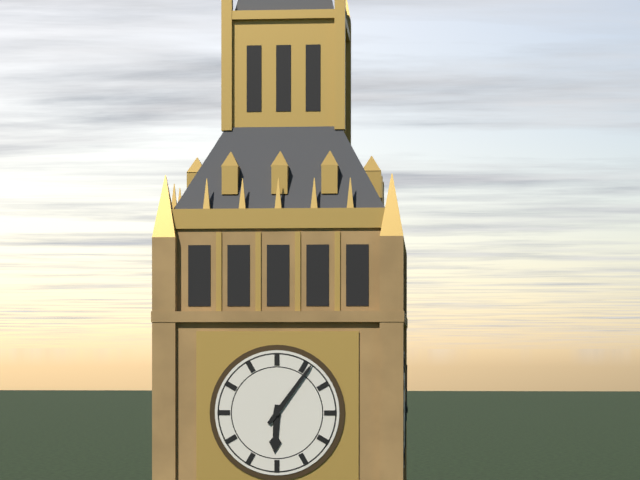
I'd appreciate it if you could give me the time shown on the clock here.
6:06
